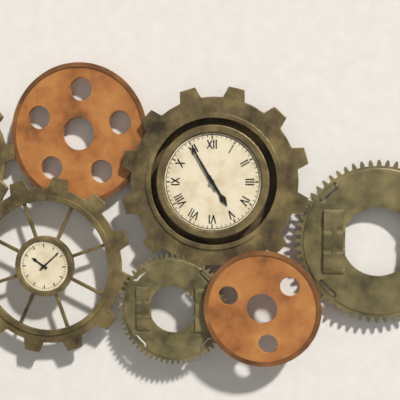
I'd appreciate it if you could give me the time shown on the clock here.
4:55
